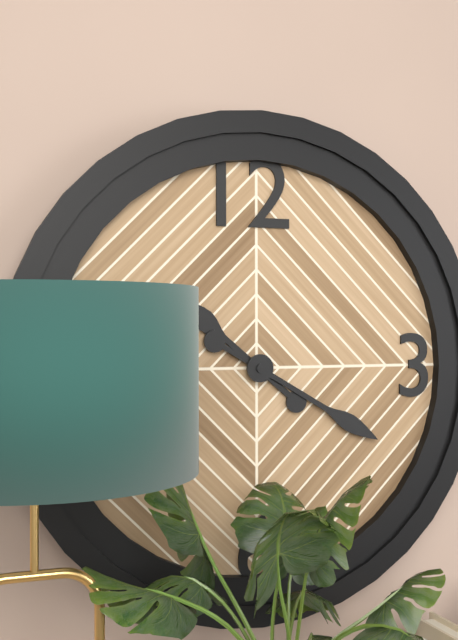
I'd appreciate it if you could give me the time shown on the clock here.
10:20
